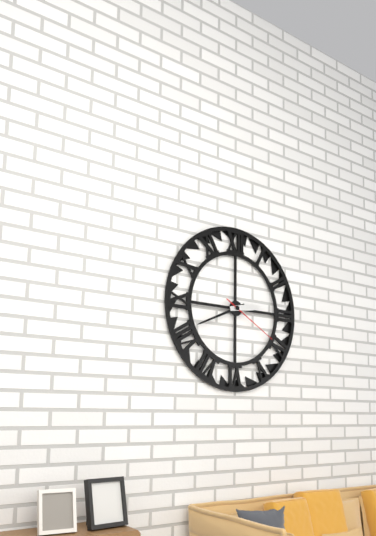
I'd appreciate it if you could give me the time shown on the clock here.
2:41:20
